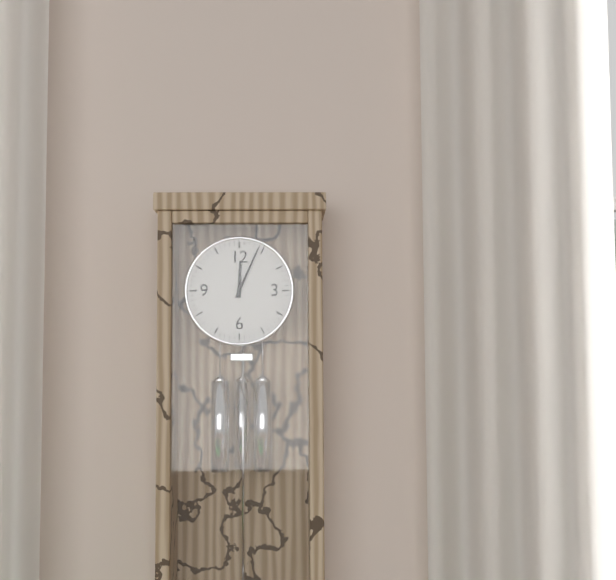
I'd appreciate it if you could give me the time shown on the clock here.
12:04
